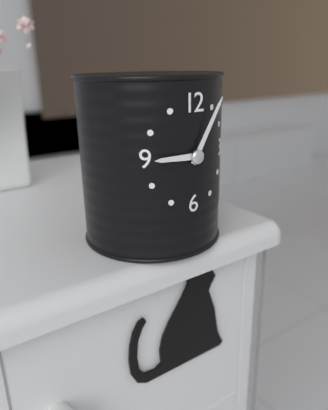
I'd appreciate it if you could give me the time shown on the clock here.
9:05
